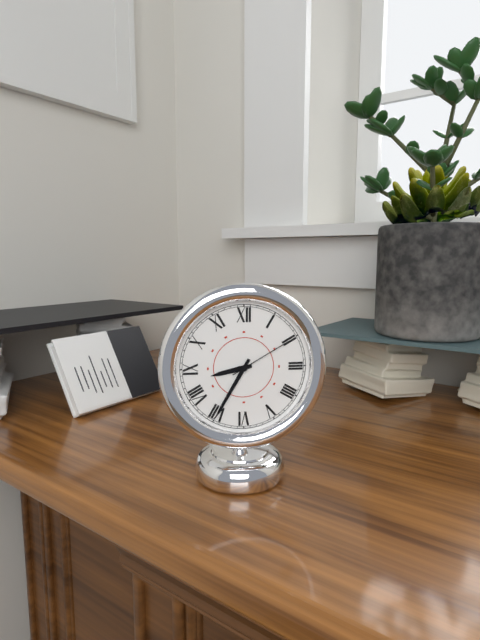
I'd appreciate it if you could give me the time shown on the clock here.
8:35:10
